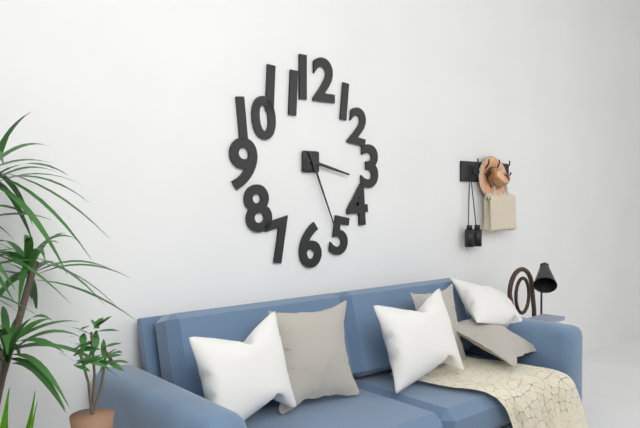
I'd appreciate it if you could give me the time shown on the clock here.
3:26
